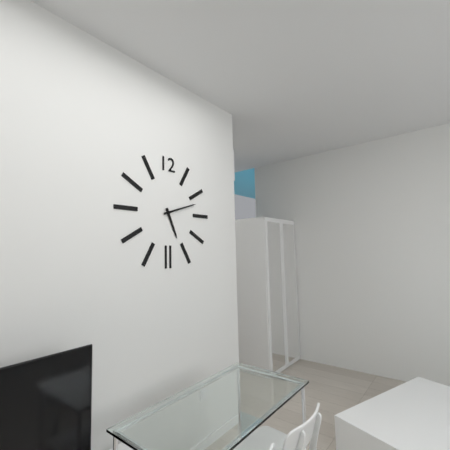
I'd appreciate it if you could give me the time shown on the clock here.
5:12
